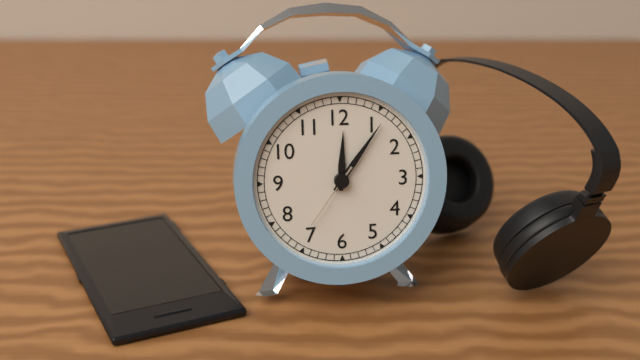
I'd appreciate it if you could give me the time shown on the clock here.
12:06:36
